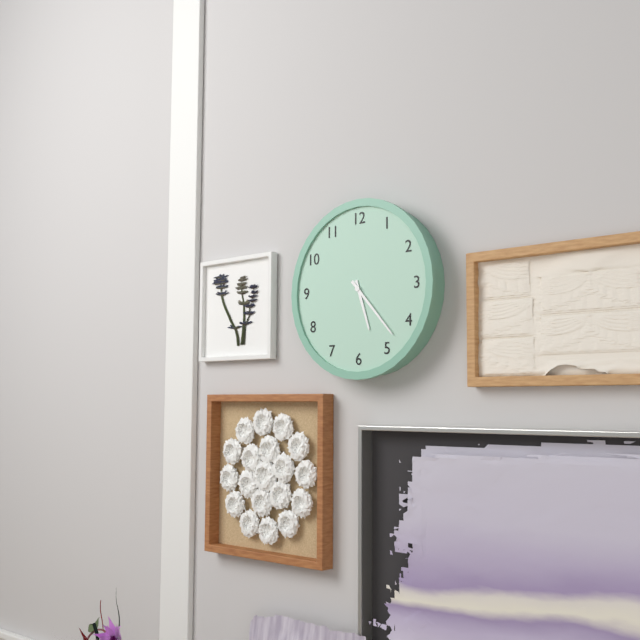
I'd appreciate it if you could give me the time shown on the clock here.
5:23
